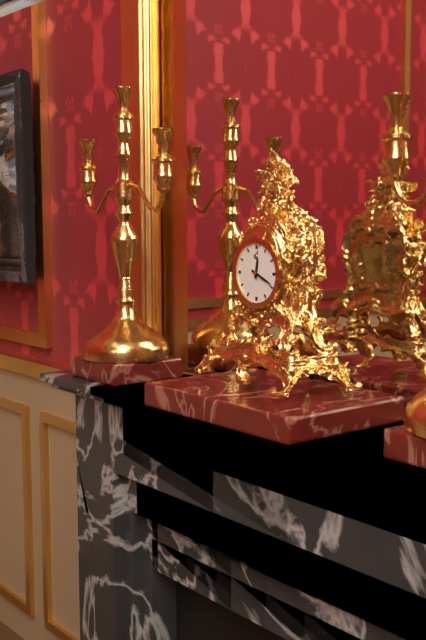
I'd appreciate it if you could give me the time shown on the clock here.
12:19
